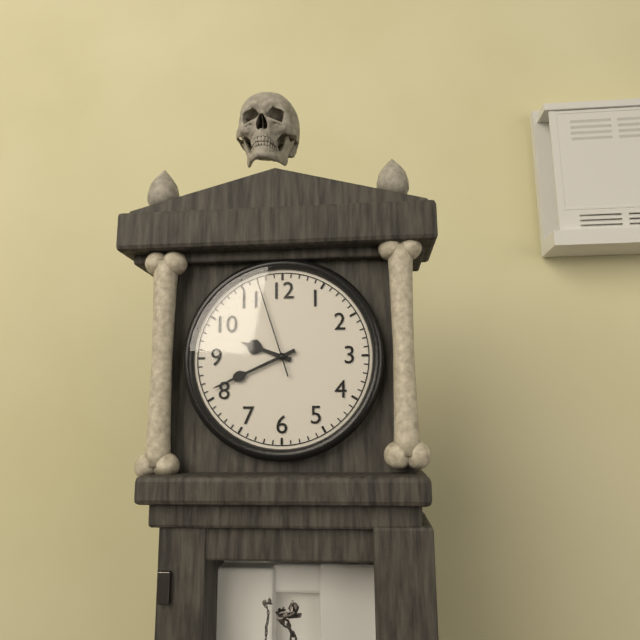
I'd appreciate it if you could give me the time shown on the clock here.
9:41:57
